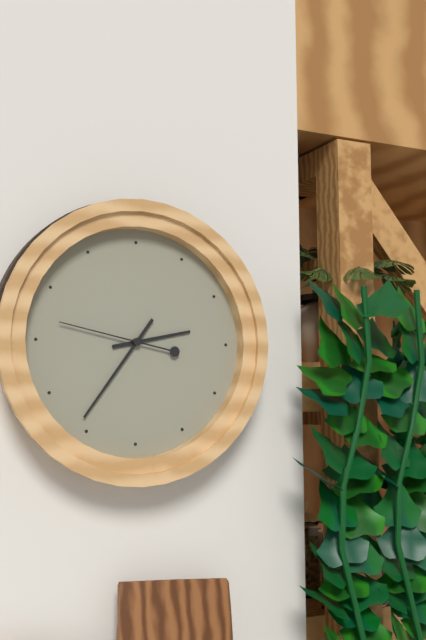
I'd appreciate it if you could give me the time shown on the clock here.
2:36:47
